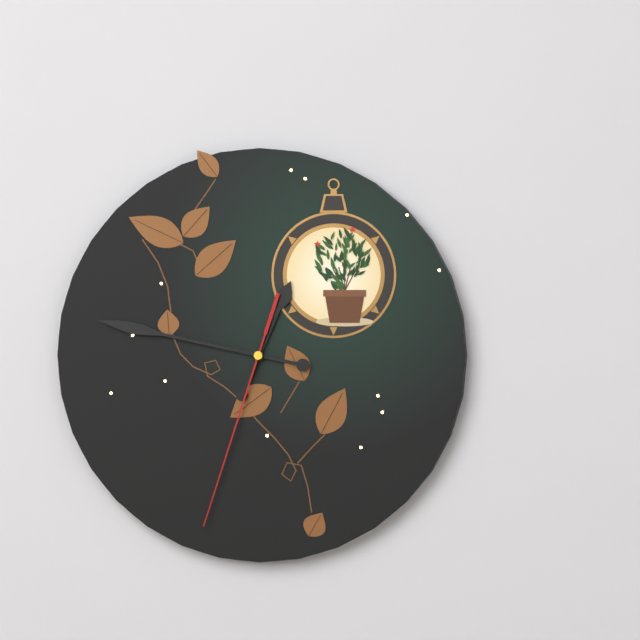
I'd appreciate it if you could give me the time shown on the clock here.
12:47:33
